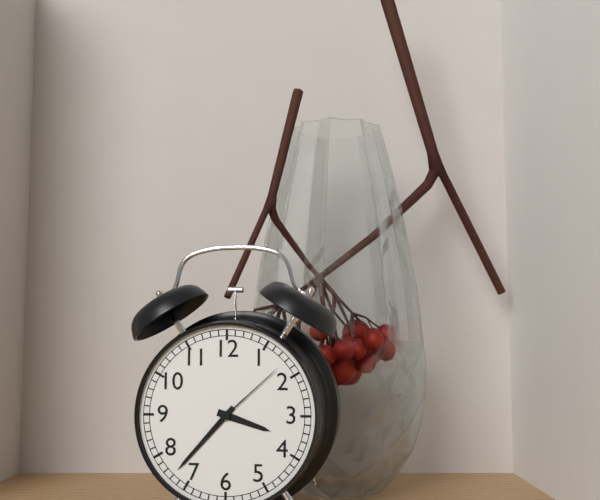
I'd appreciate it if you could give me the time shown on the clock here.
3:37:08
